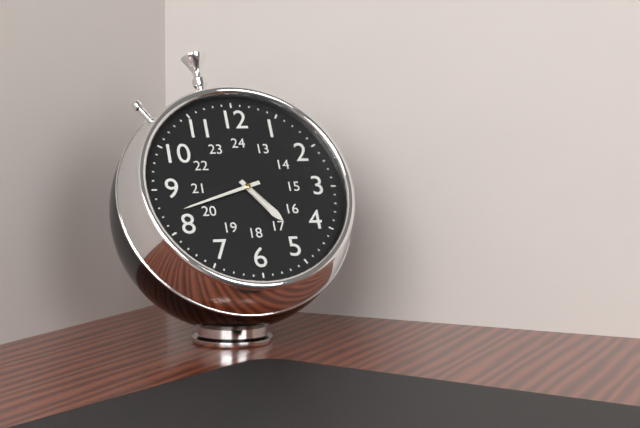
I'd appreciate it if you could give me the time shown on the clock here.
4:42
